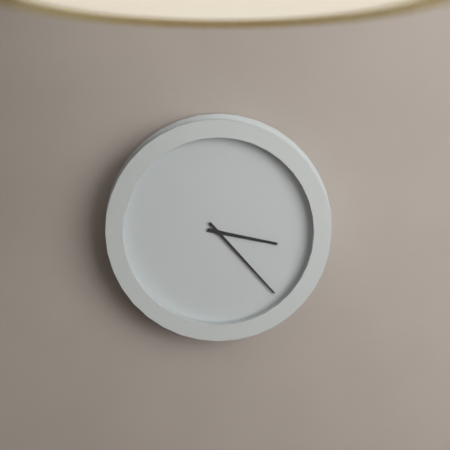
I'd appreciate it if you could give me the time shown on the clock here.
3:23
